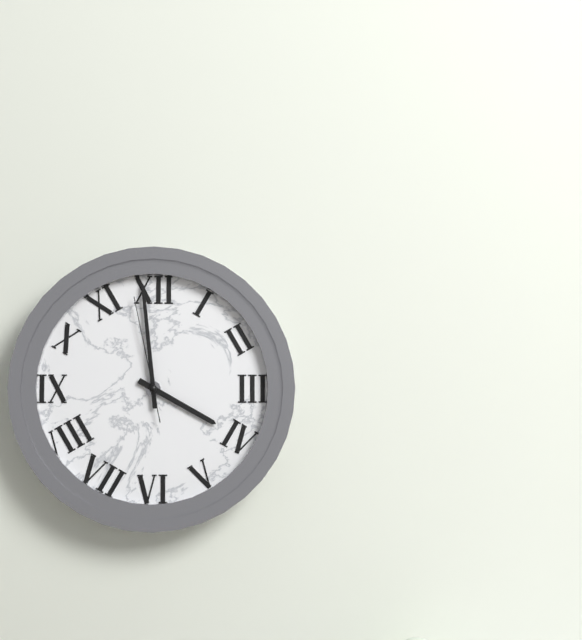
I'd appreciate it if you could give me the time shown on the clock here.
3:59:58
